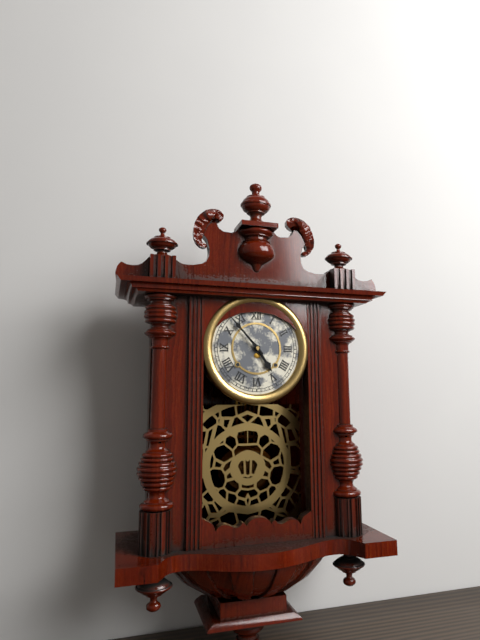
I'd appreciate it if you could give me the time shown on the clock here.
4:53
